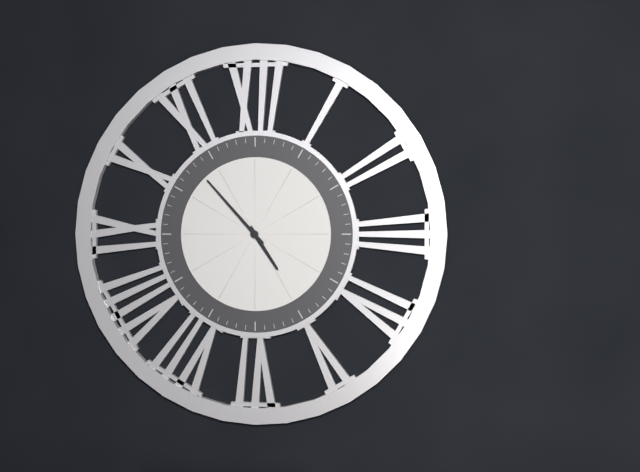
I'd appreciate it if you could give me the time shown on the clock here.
4:53
